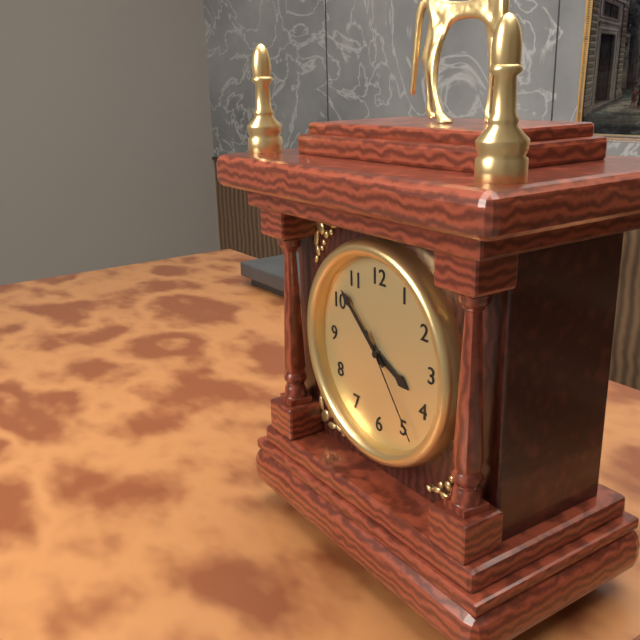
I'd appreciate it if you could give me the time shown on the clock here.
3:52:24
